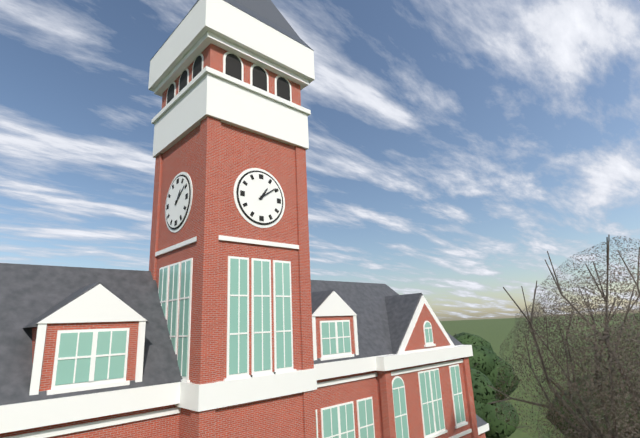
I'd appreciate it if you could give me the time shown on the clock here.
1:09
